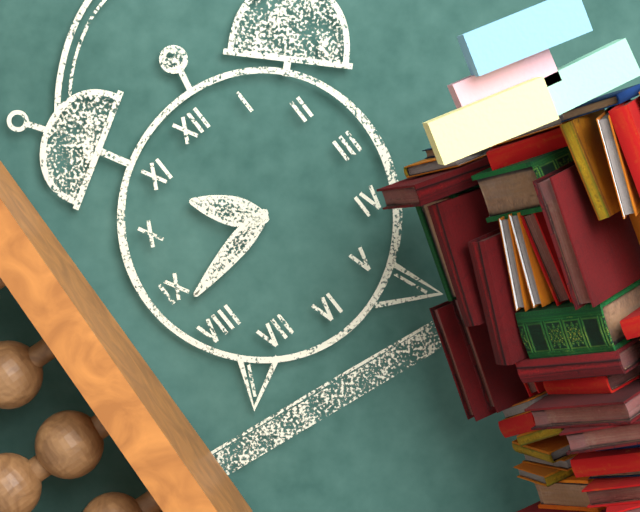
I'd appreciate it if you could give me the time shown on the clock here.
10:43
